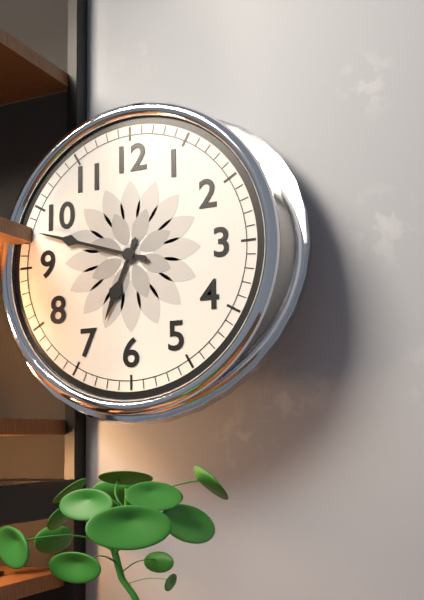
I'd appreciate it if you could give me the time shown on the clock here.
6:48
